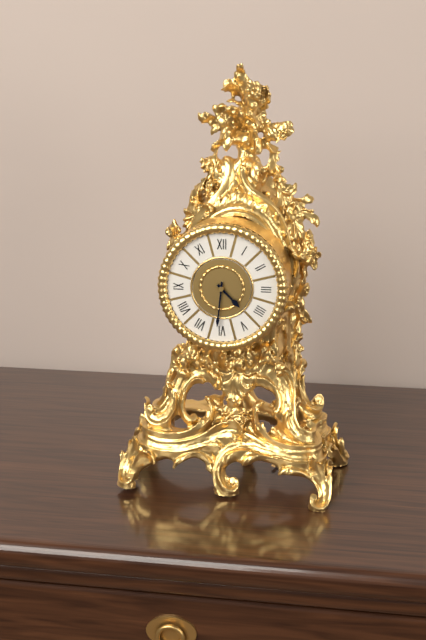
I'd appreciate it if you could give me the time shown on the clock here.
4:31
